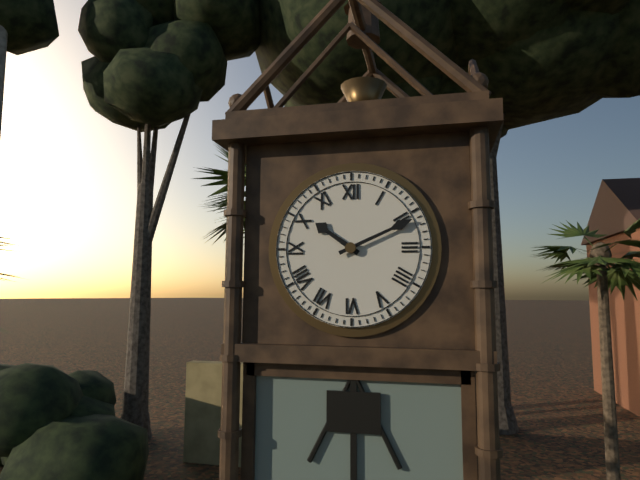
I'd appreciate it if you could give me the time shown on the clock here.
10:11
